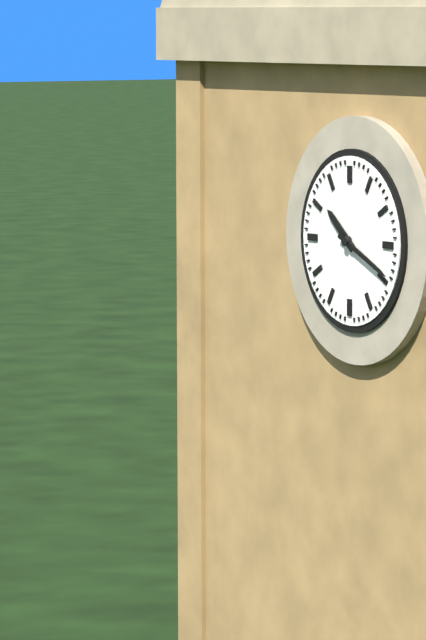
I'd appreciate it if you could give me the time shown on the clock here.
10:19
